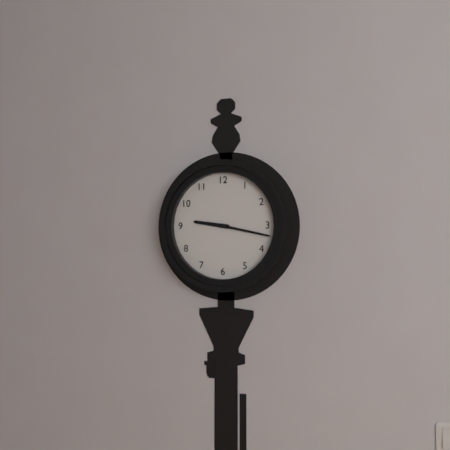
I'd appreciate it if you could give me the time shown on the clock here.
9:17
